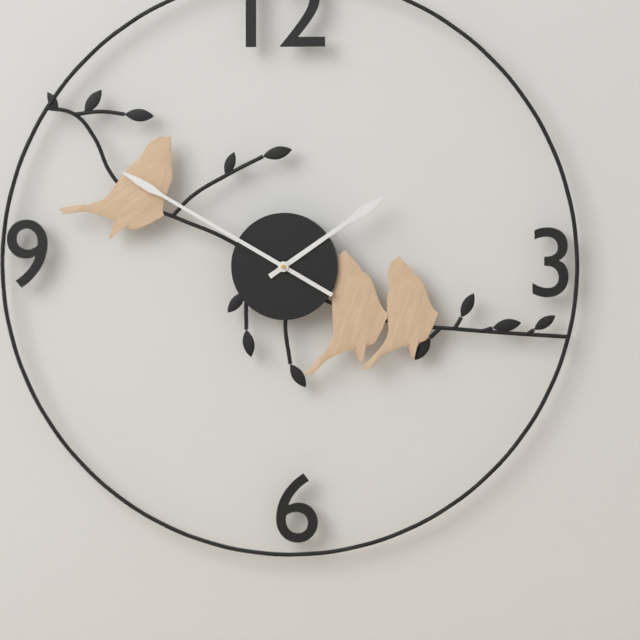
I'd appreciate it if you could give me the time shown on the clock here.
1:50
